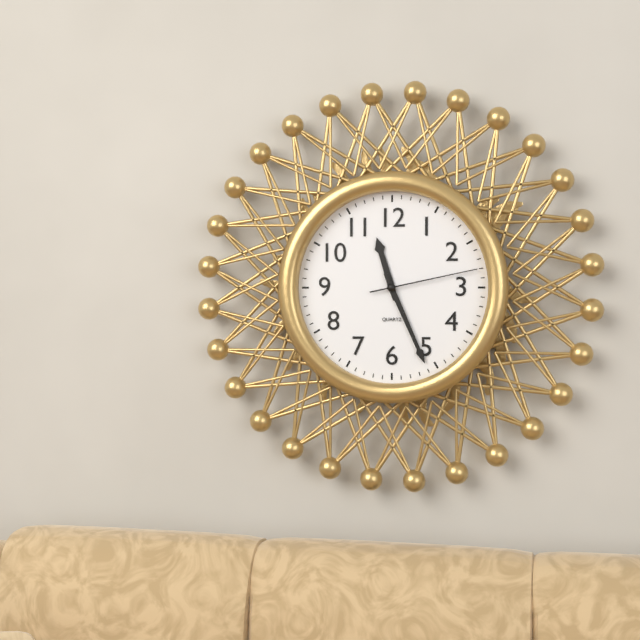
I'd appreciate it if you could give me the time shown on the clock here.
11:26:13
